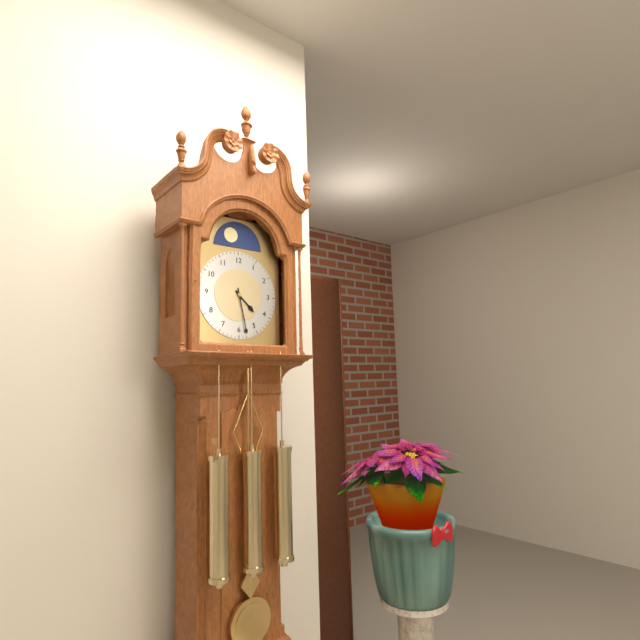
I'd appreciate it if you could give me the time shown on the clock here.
4:28
